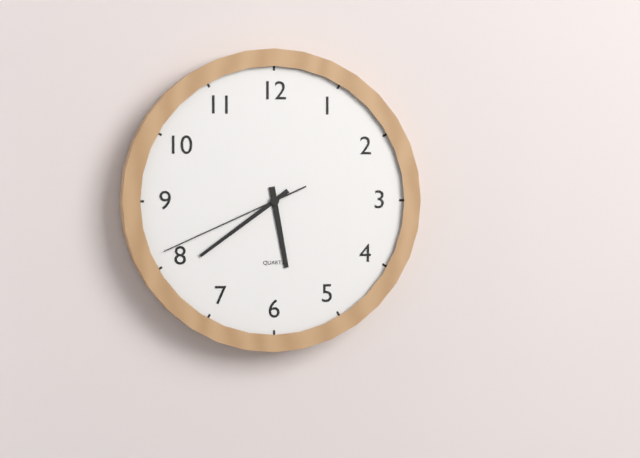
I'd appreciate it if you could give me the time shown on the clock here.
5:39:41
